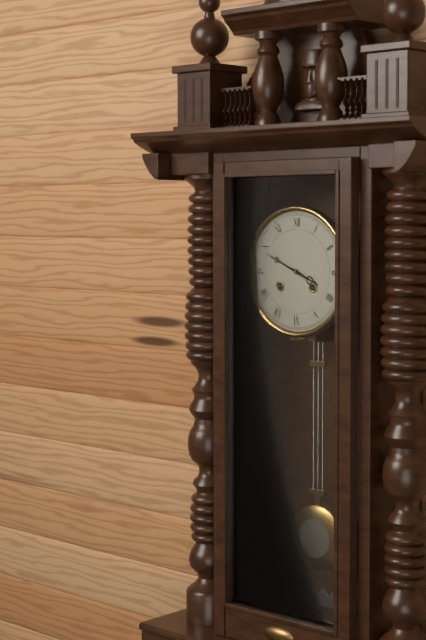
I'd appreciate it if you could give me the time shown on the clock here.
3:49
